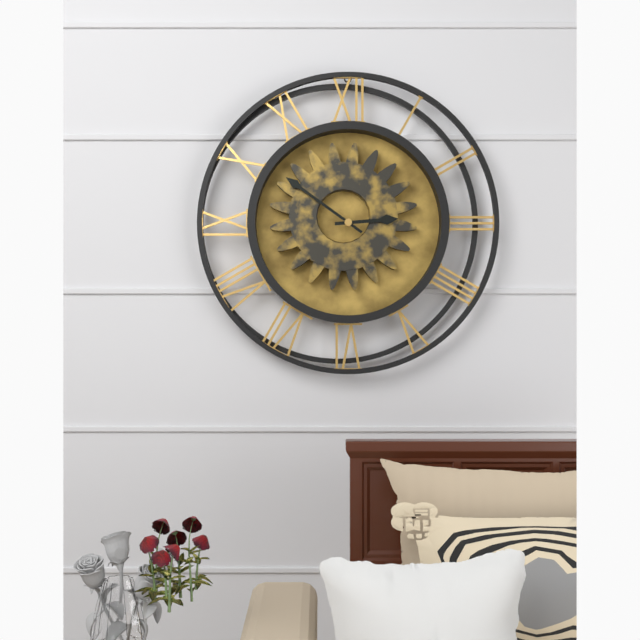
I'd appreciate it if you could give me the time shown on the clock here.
2:51
